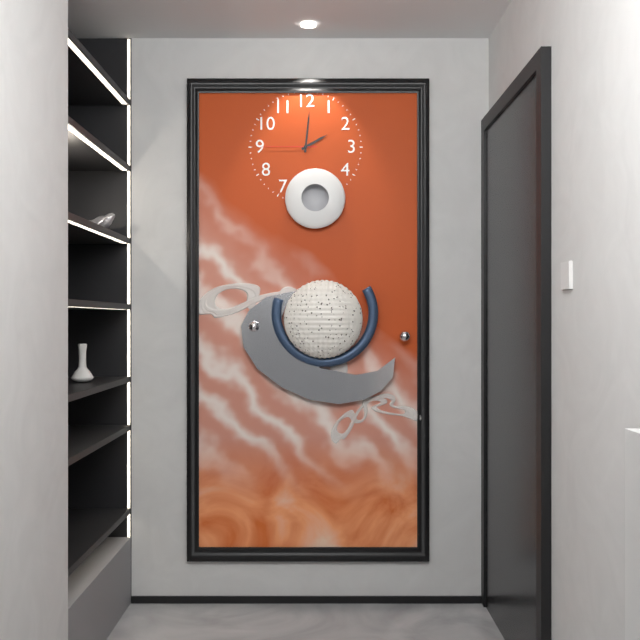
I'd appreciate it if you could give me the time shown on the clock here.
2:01:45
